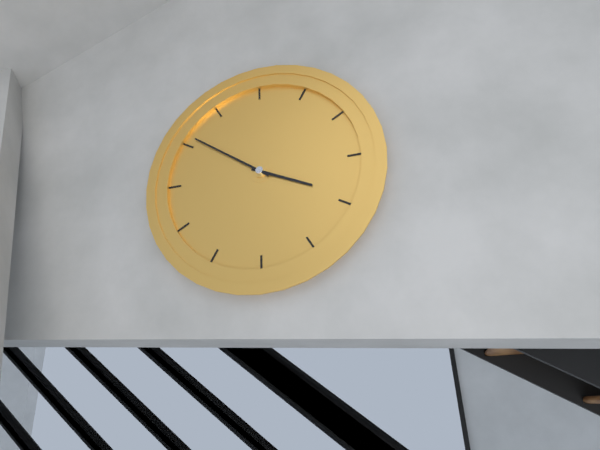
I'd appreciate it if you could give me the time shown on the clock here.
3:51
